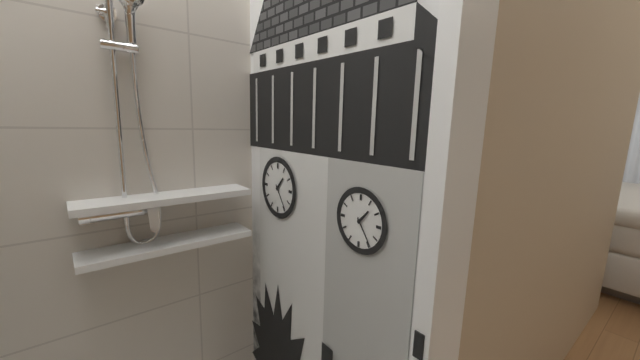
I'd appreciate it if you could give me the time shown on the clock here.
1:24
